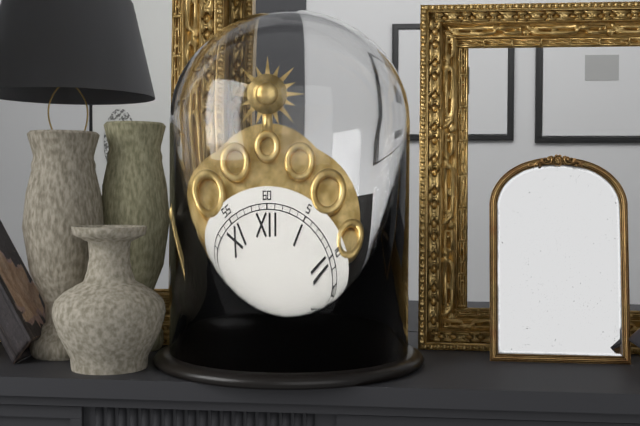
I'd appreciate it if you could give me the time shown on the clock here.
6:35
